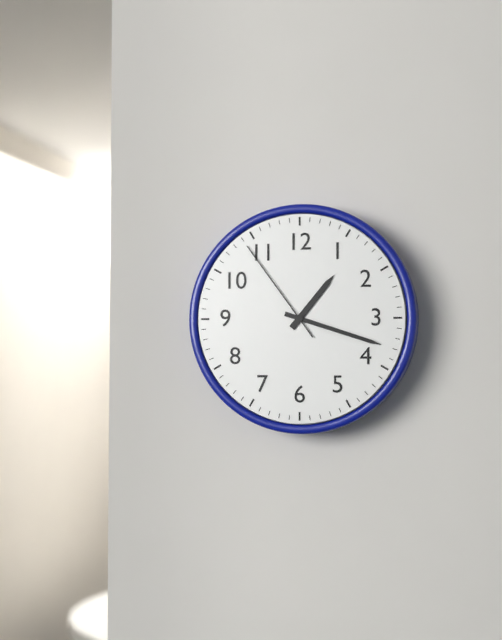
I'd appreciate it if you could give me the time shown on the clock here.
1:18:54
